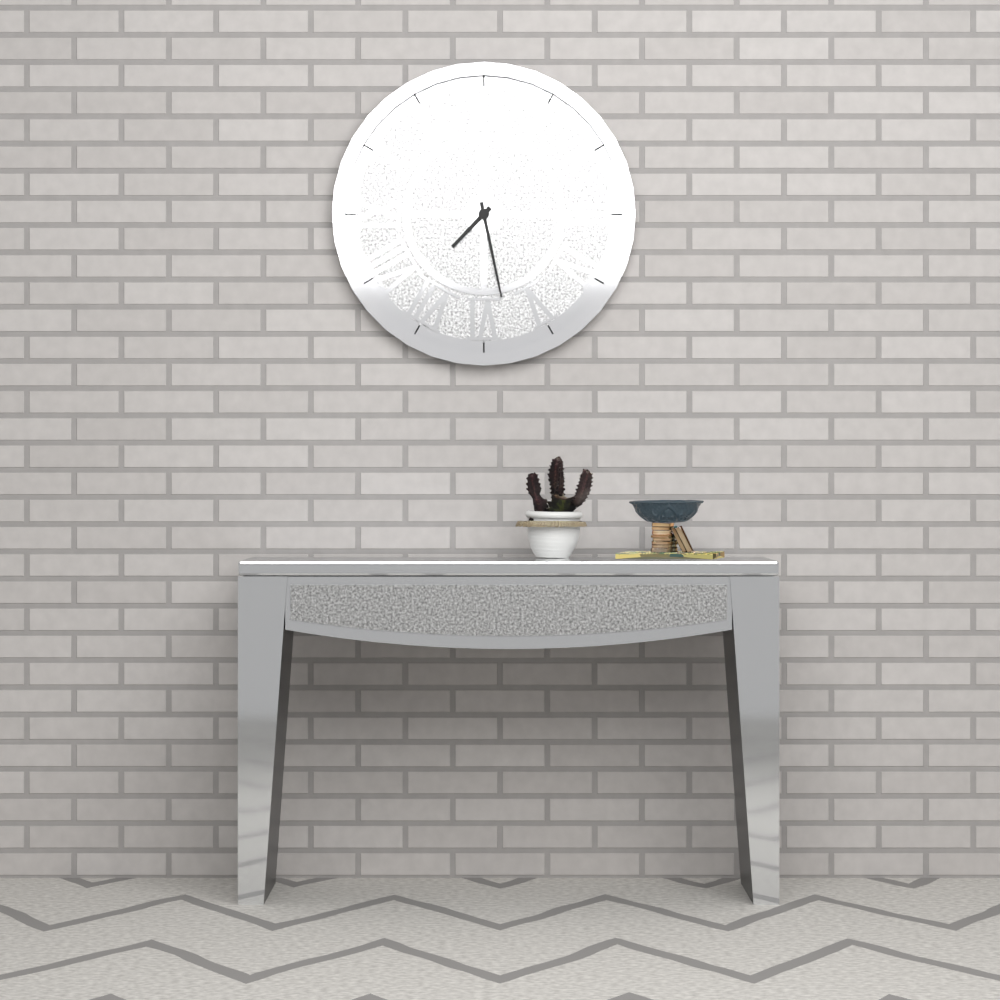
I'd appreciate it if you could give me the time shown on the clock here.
7:28
